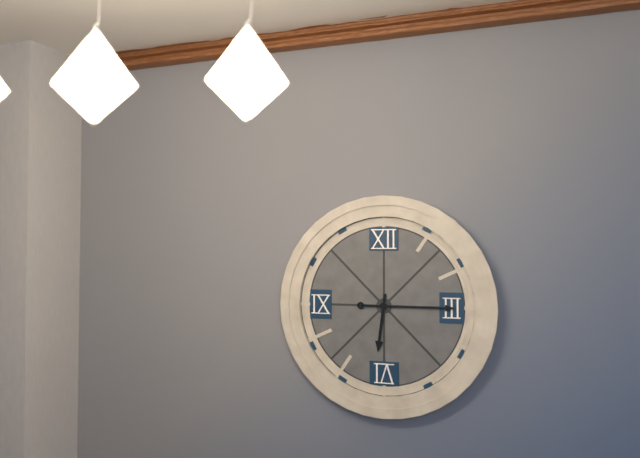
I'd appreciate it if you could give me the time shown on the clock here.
6:15
